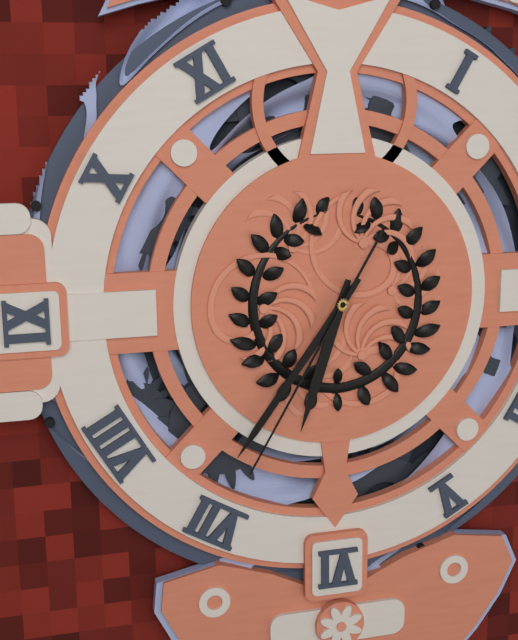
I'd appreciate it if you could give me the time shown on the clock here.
6:36:35
